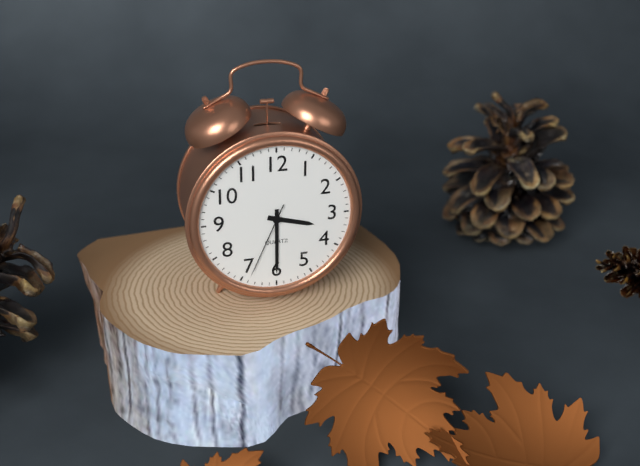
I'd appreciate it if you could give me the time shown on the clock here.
3:30:34
